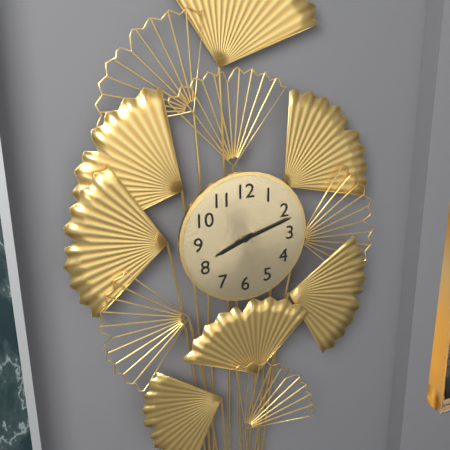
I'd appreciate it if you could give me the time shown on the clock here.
8:12
